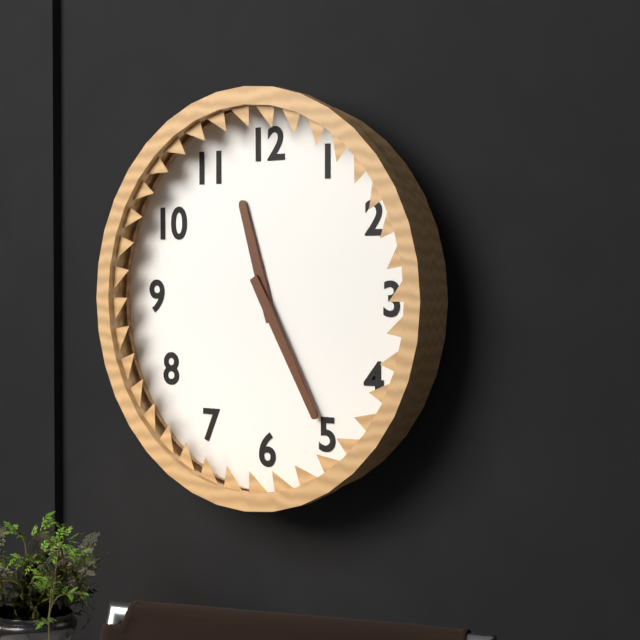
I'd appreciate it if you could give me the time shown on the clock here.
11:25
